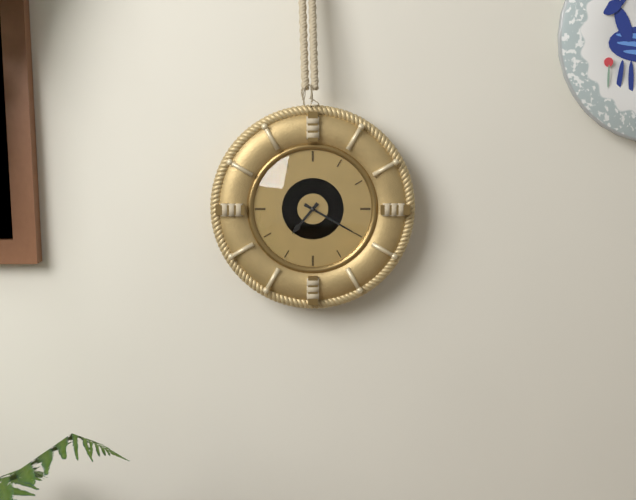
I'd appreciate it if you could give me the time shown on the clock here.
7:20
